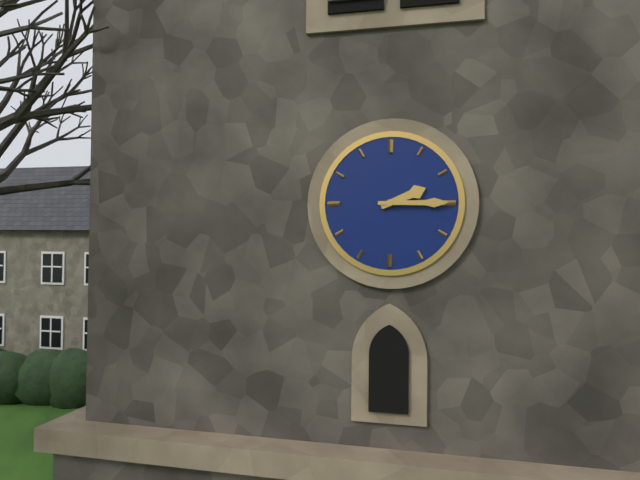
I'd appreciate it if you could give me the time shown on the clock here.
2:15
